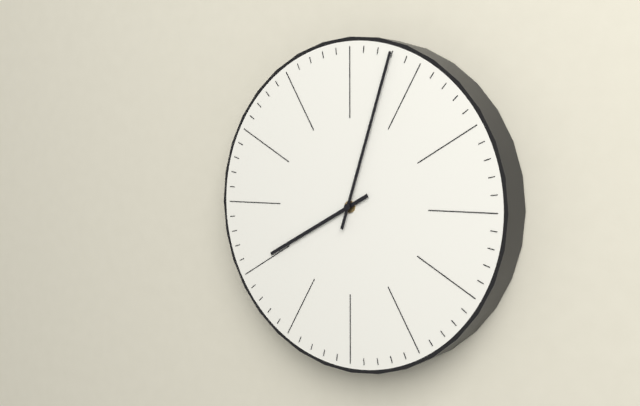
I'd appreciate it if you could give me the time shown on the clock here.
8:03
